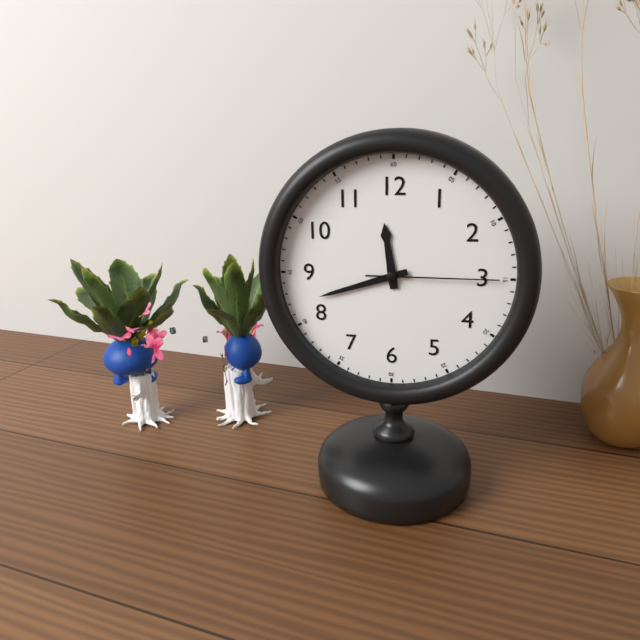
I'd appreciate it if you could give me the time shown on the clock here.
11:42:15
